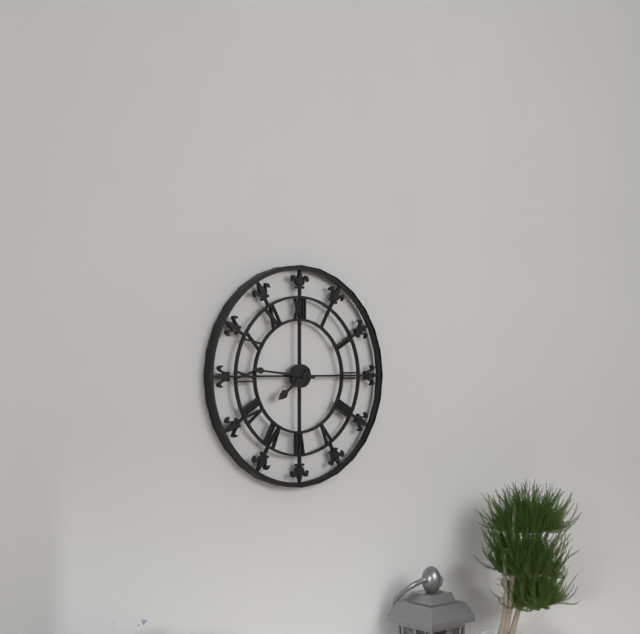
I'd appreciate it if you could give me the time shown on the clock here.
7:46
